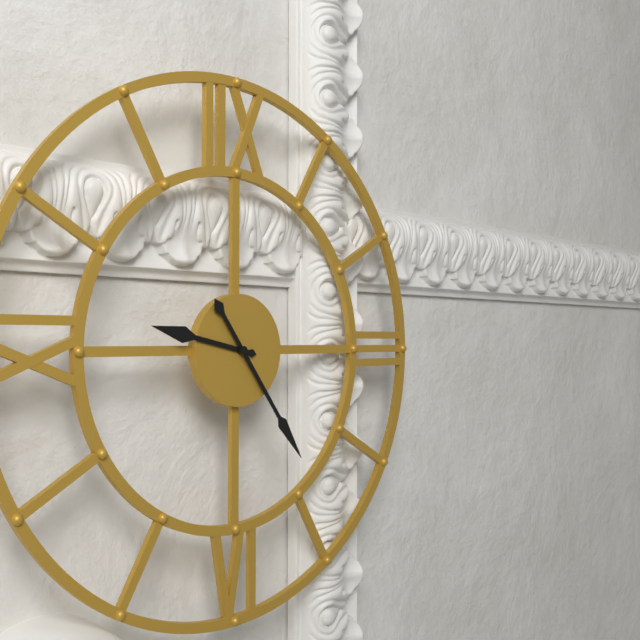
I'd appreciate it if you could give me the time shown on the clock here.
9:24
